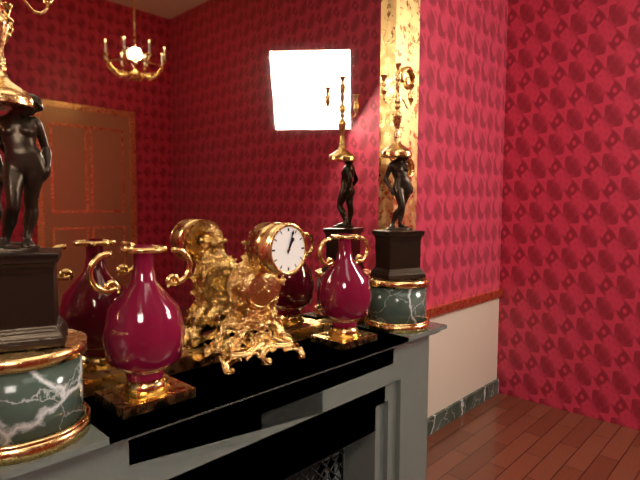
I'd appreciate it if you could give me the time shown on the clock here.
1:03
